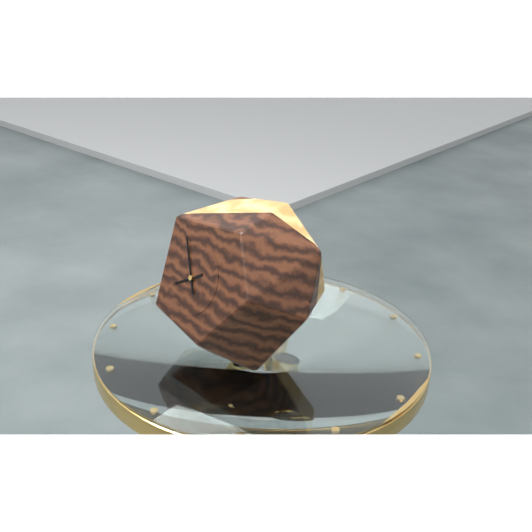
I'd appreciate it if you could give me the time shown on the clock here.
7:54
